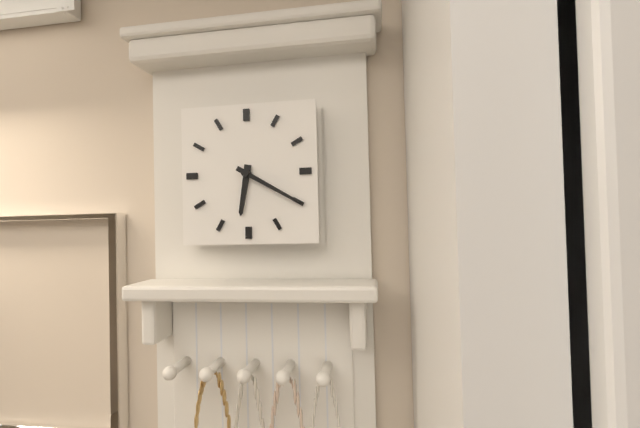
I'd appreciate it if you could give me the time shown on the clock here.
6:20
